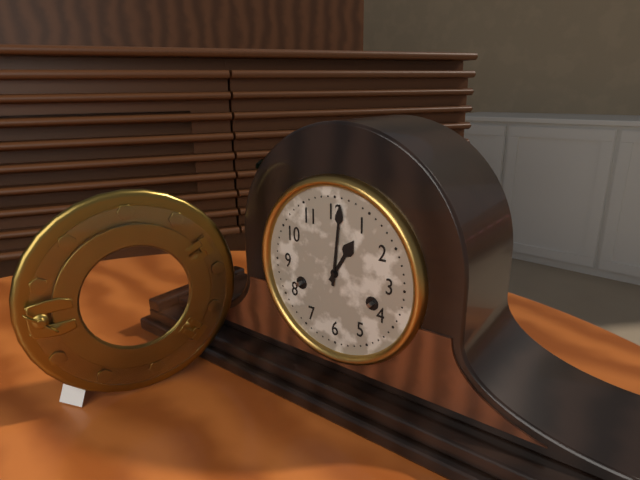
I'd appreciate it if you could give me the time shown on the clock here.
1:01
